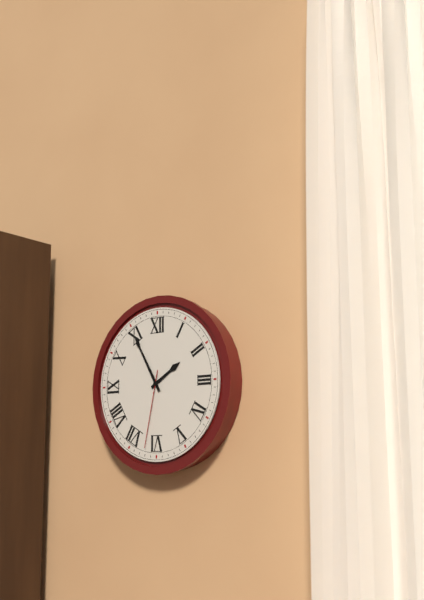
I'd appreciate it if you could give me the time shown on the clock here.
1:55:32
